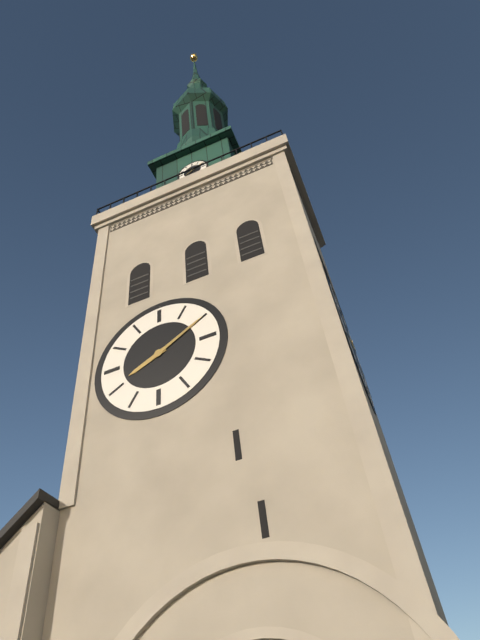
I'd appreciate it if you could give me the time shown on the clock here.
8:10
